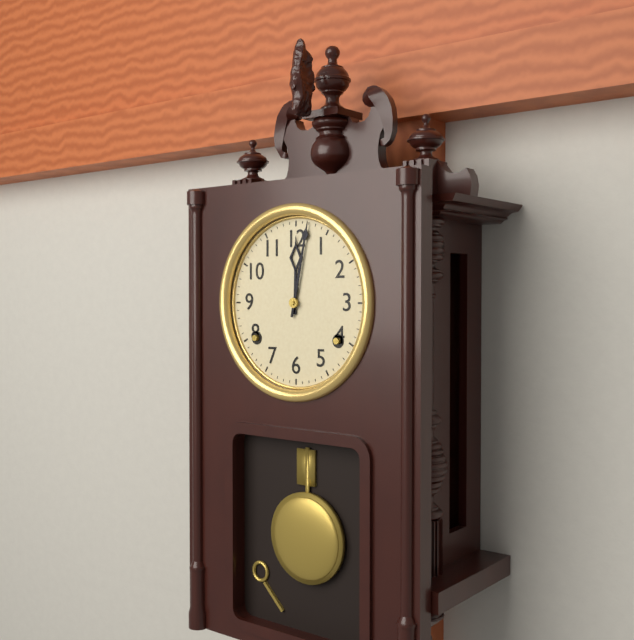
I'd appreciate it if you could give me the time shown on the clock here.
12:02
